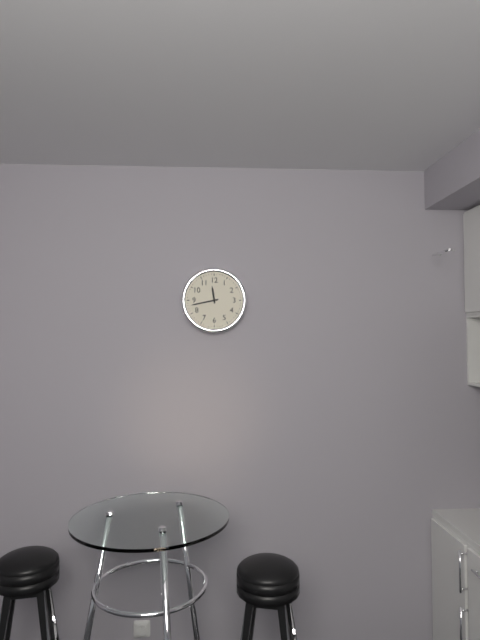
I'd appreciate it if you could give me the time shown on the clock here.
11:43
